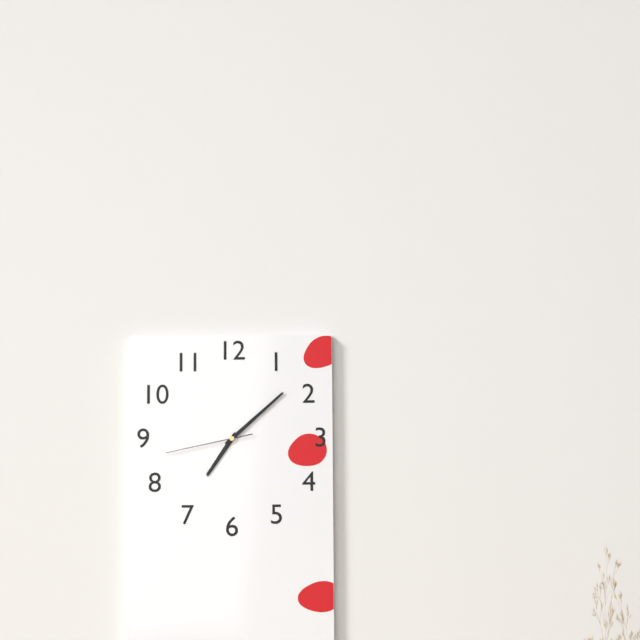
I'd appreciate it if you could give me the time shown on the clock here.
7:08:43
